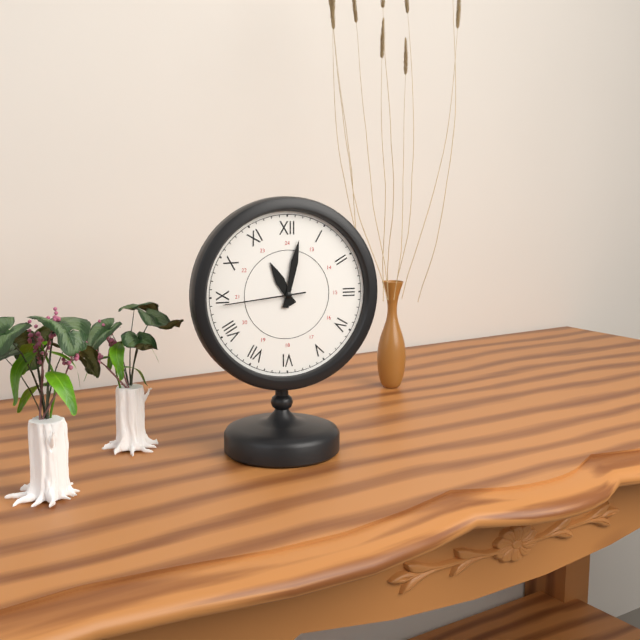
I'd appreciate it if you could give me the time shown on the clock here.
11:02:44
